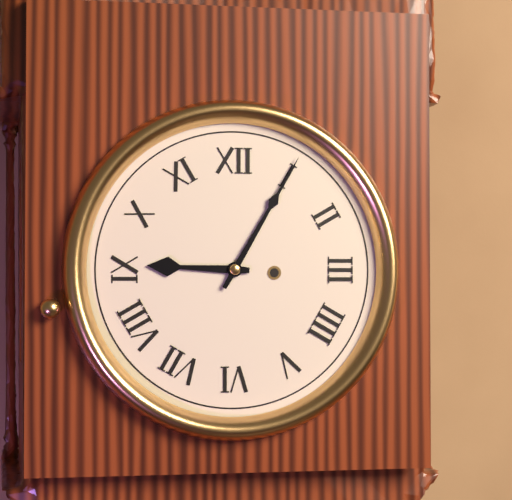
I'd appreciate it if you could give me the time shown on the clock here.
9:05
